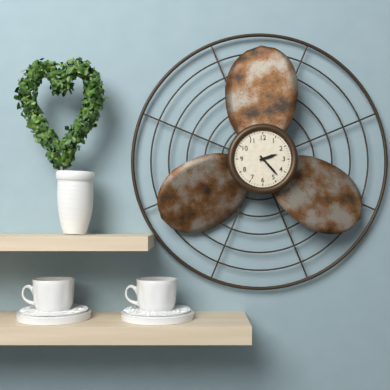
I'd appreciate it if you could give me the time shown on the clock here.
2:23
